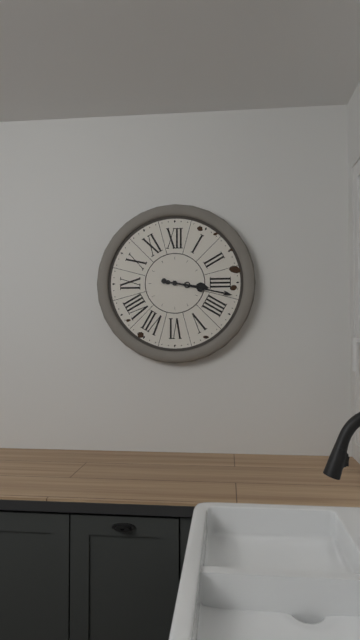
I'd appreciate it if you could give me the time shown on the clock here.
3:17
